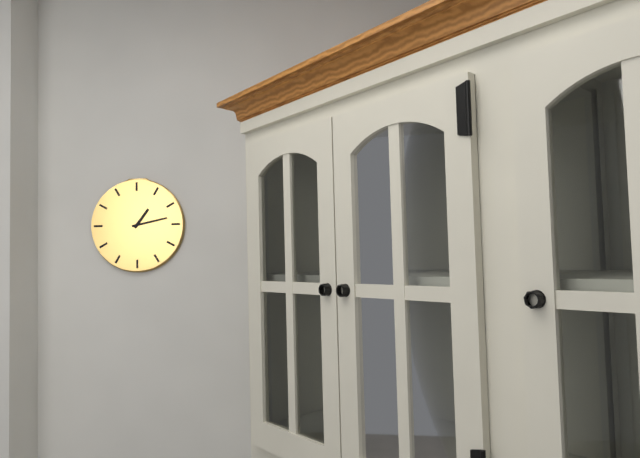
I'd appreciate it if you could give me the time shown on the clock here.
1:13
